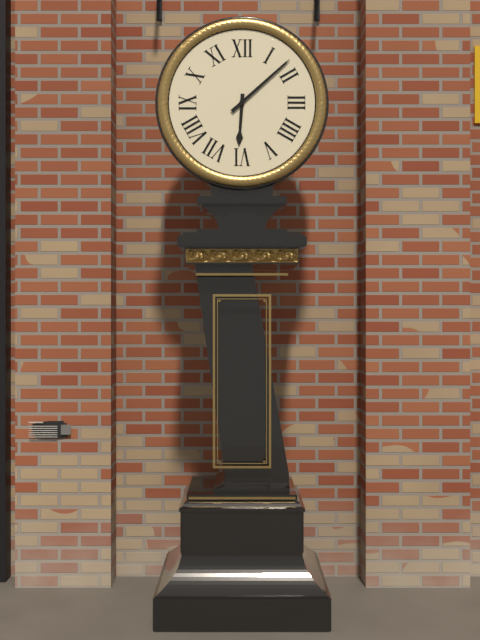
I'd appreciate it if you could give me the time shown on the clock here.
6:08
